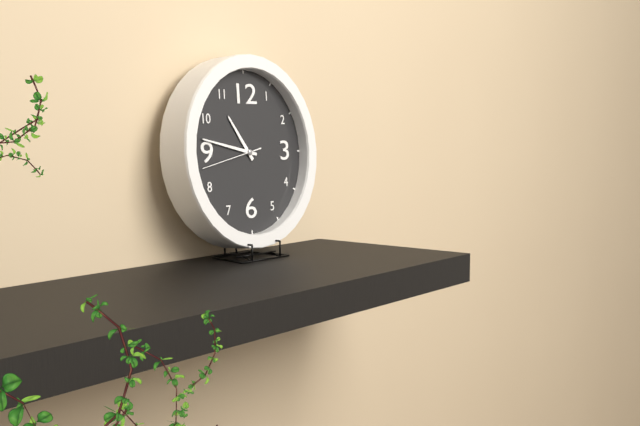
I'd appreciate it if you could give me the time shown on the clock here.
10:47:43
